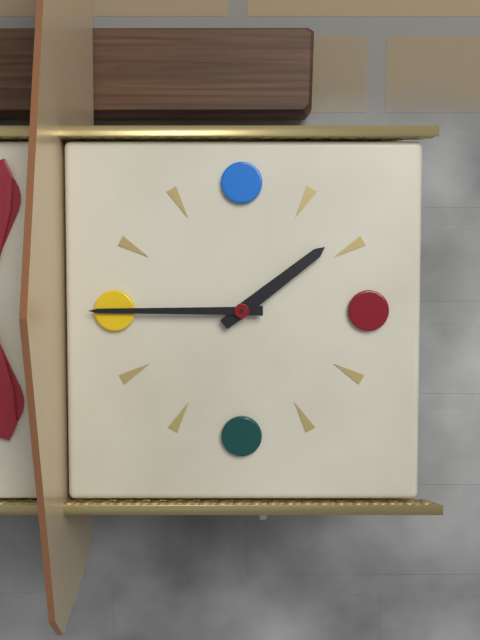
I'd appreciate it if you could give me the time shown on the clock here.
1:45
